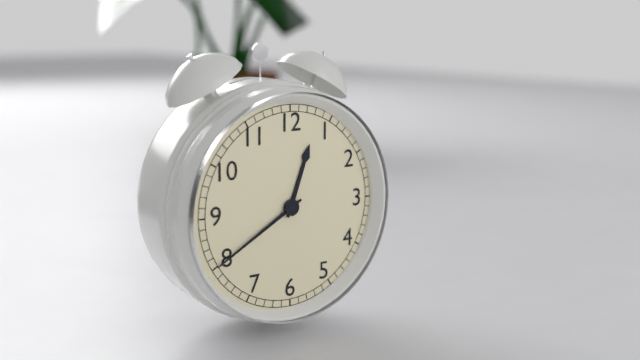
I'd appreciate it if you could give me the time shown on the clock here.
12:40
